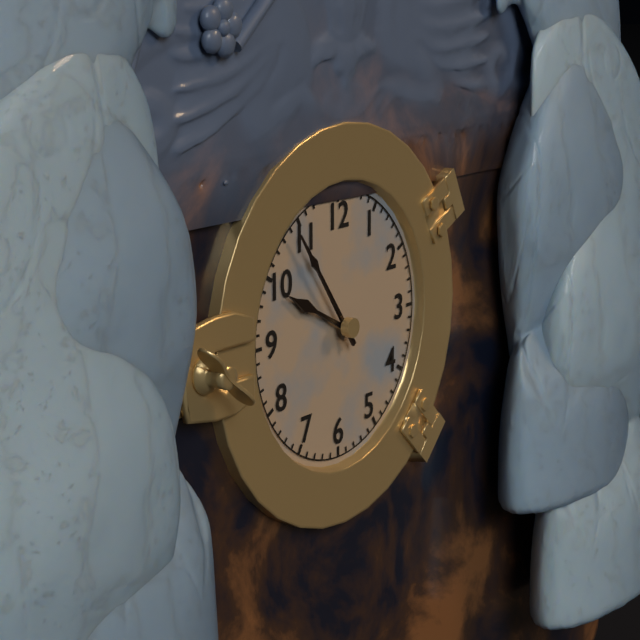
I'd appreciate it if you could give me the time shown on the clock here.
9:54
